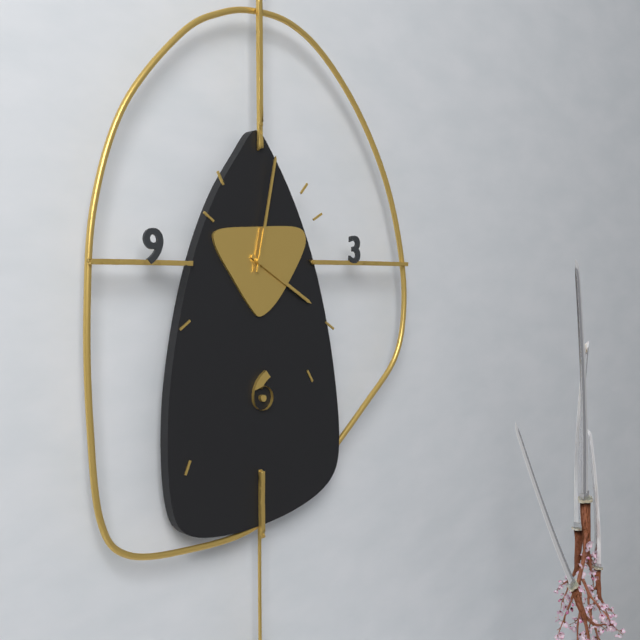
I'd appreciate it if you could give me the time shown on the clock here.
4:02
